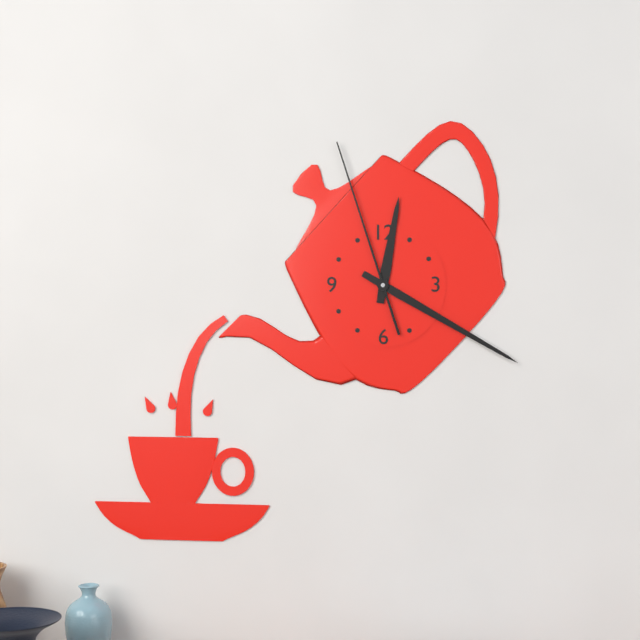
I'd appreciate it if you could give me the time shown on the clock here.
12:20:57
